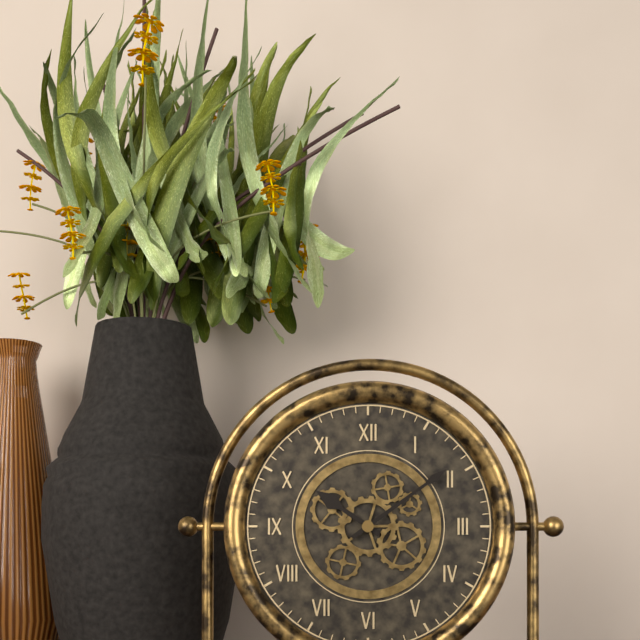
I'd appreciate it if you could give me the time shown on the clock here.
10:09
